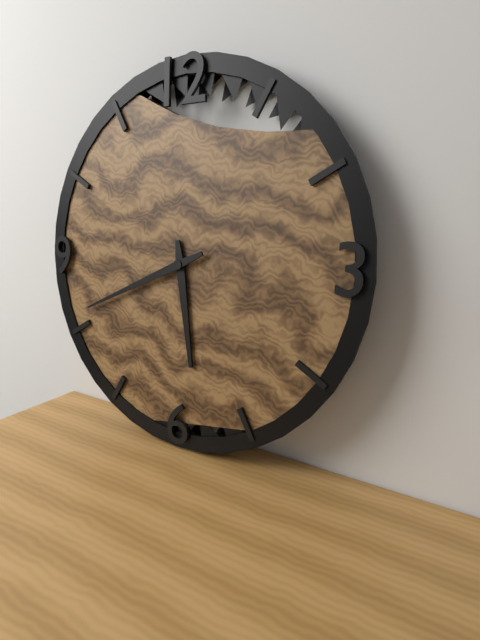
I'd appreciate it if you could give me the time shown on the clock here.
5:41
